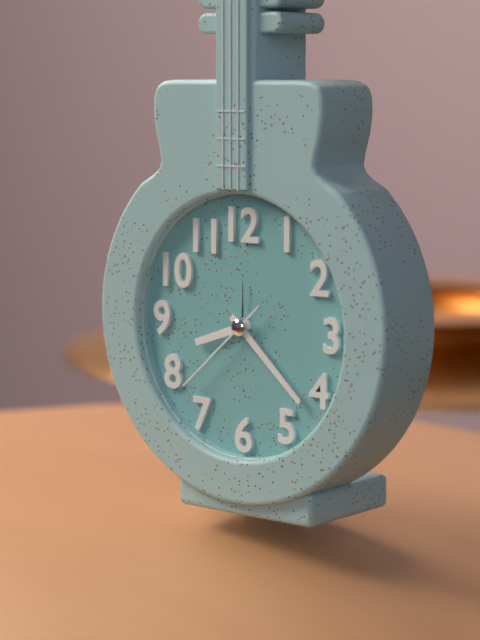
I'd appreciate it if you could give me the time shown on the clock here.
8:22:38
